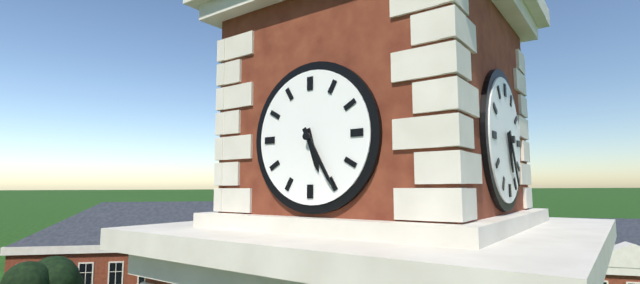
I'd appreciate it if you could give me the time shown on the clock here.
5:25
